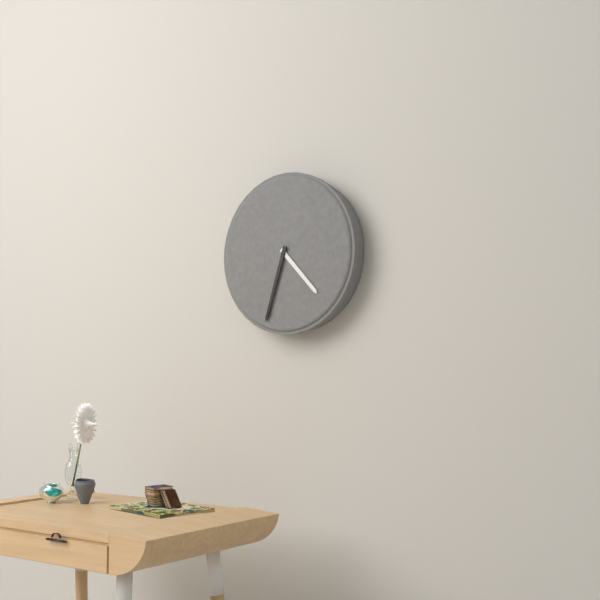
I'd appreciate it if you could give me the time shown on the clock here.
4:33
